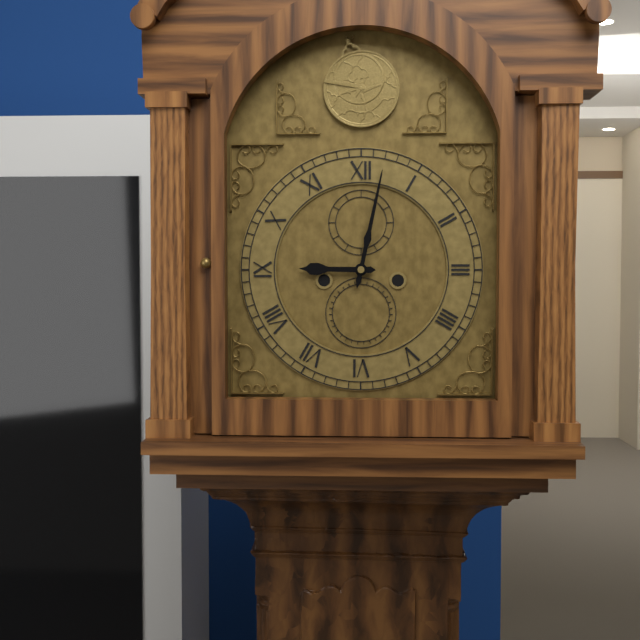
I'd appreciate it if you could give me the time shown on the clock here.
9:02
